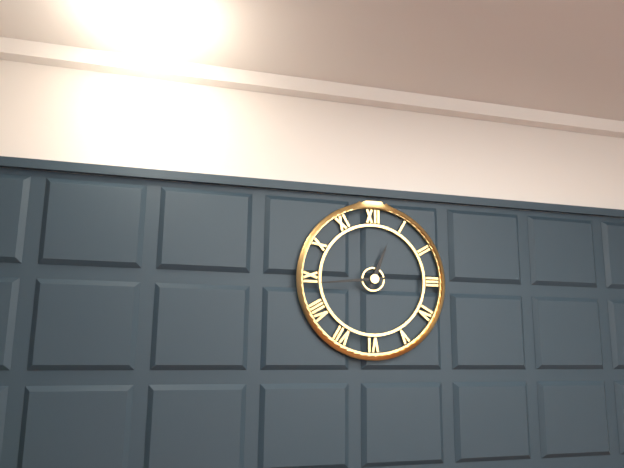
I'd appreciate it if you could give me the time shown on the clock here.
12:44
